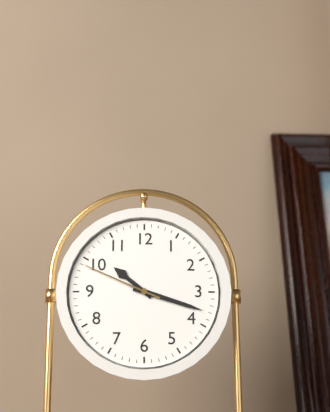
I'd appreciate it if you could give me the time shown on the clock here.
10:18:49
